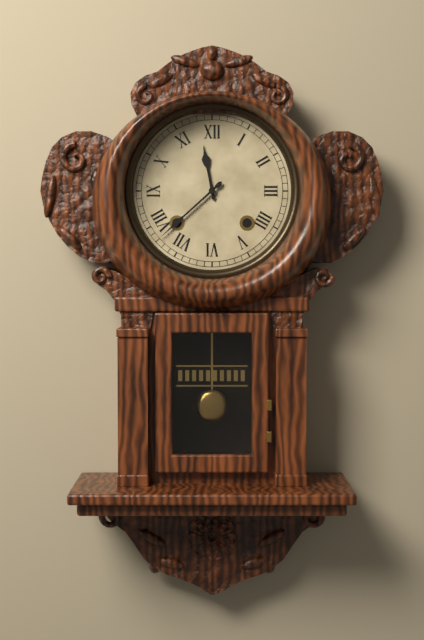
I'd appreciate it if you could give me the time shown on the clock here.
11:38
